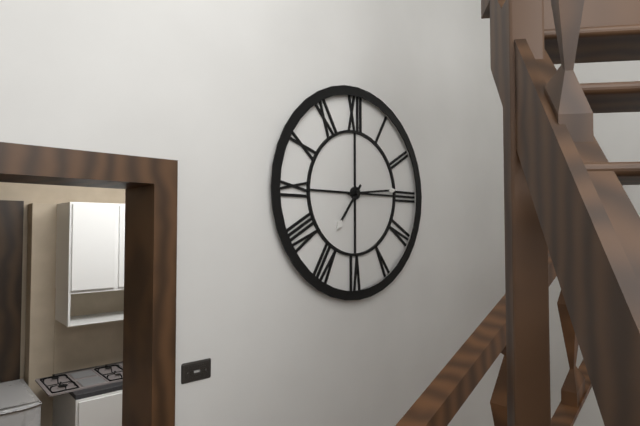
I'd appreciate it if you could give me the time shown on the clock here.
7:14
